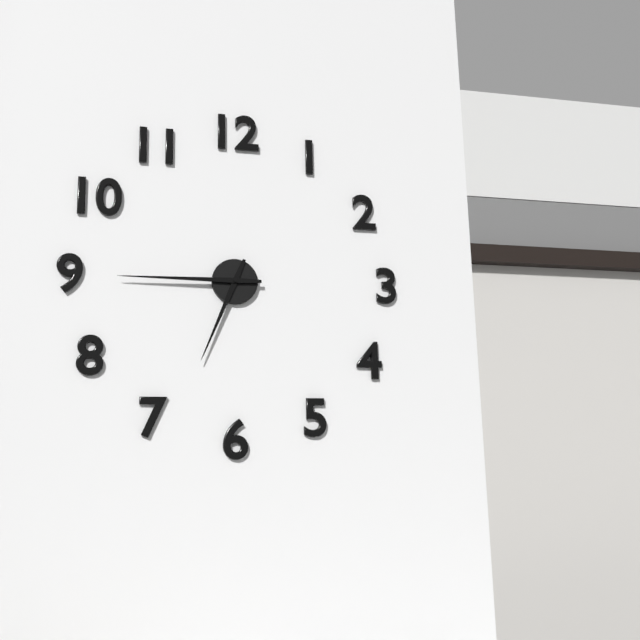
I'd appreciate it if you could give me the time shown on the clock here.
6:45
